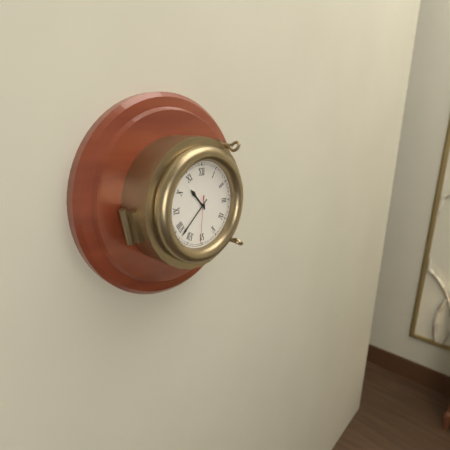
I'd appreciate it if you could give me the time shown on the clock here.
10:38
